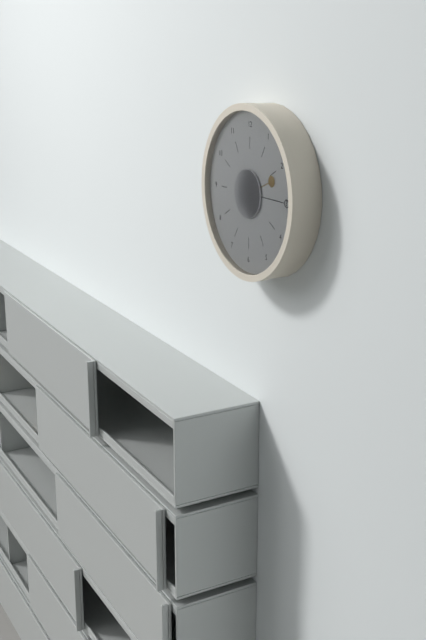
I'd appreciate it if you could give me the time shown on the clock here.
2:15
